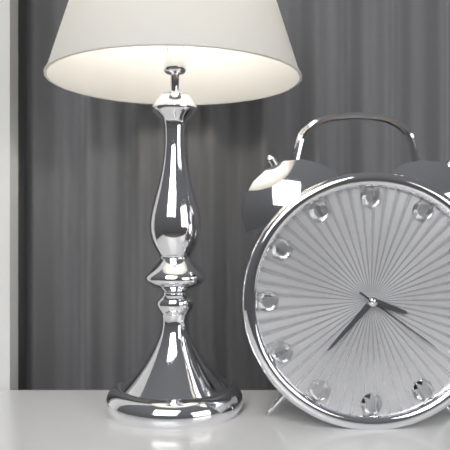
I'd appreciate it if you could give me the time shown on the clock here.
3:37:21
